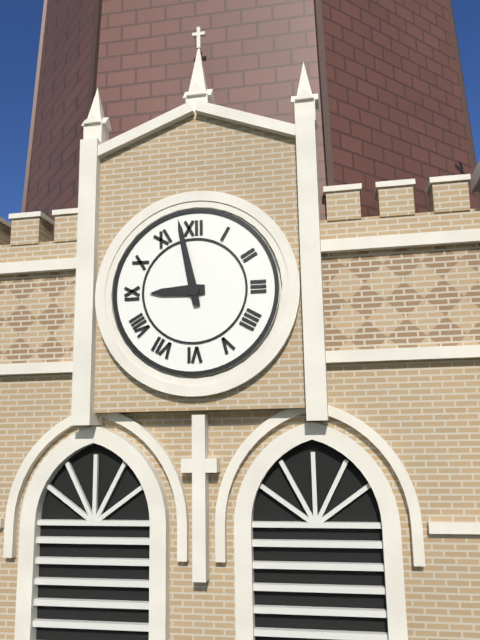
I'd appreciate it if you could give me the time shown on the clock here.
8:58
